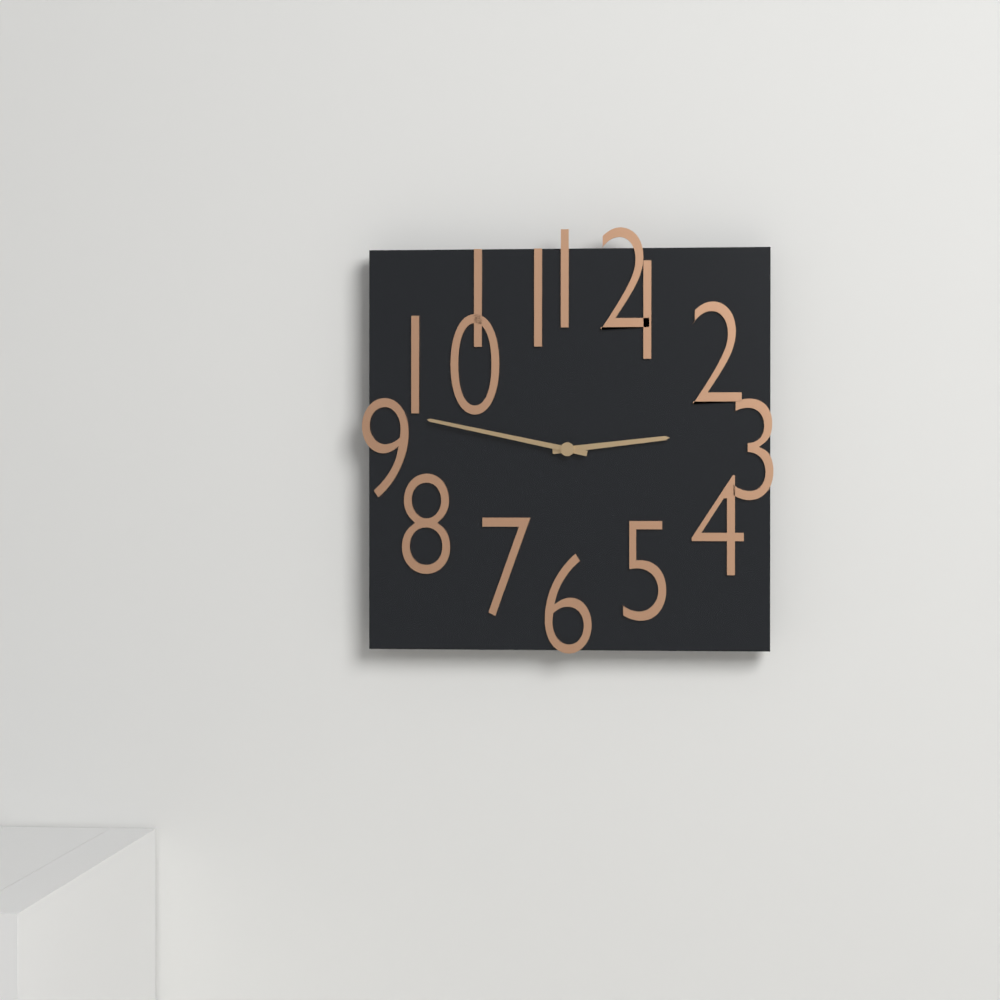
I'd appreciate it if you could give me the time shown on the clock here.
2:47
